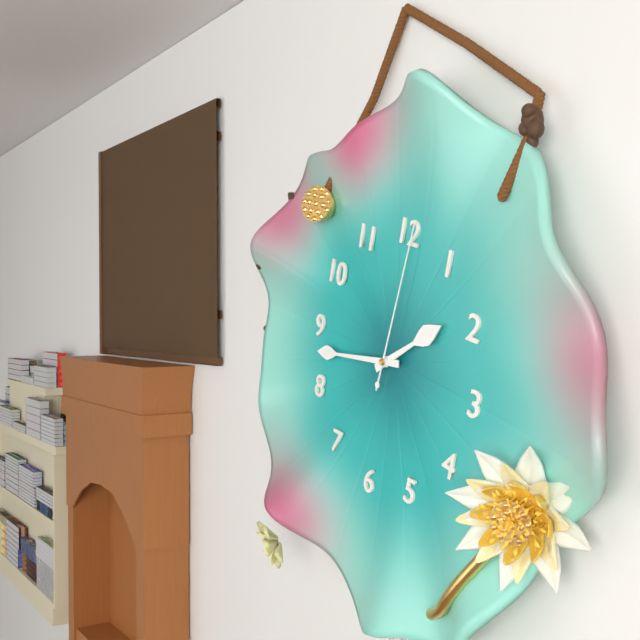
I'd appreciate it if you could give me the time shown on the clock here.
1:43:01
